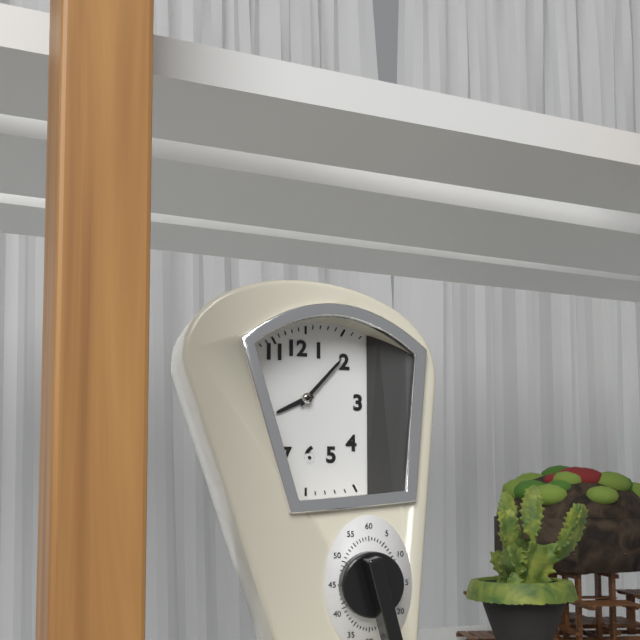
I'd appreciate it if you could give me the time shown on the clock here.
8:07
